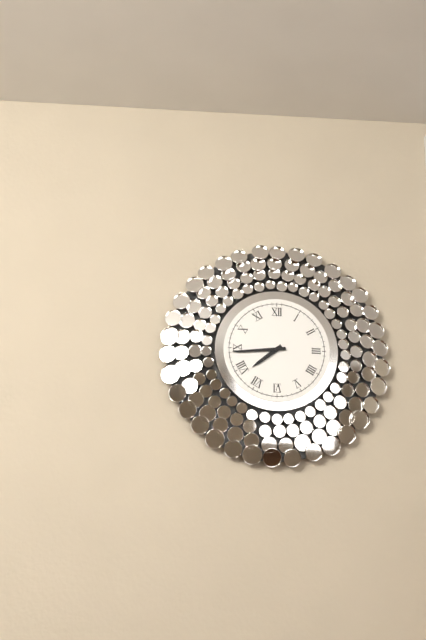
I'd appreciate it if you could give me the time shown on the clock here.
7:44
